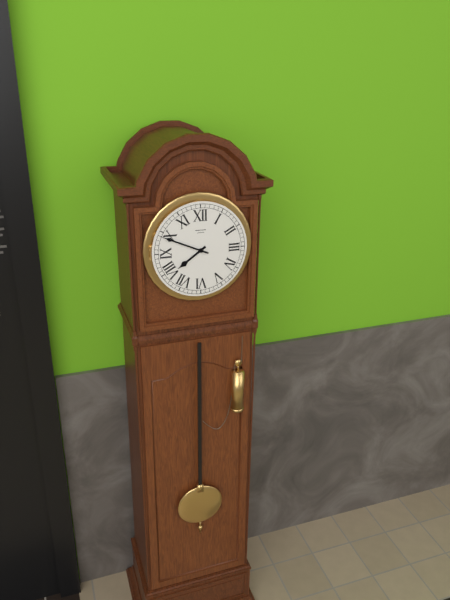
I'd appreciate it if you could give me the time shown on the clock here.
7:49
